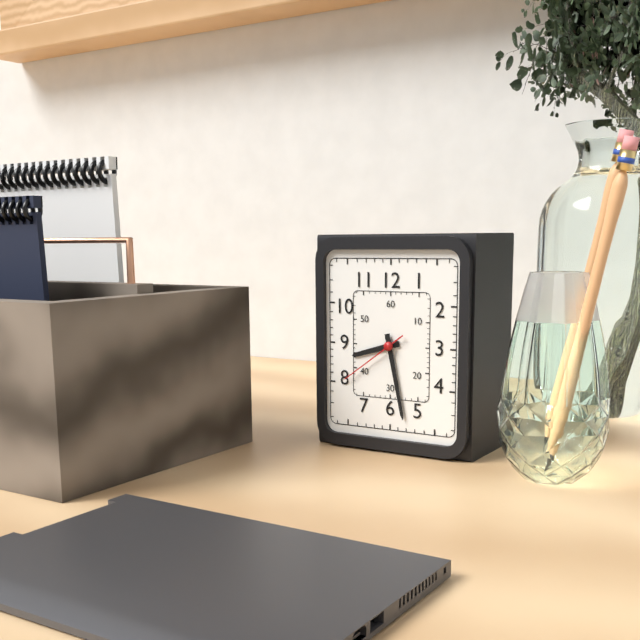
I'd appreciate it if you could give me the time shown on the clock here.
8:28:39
